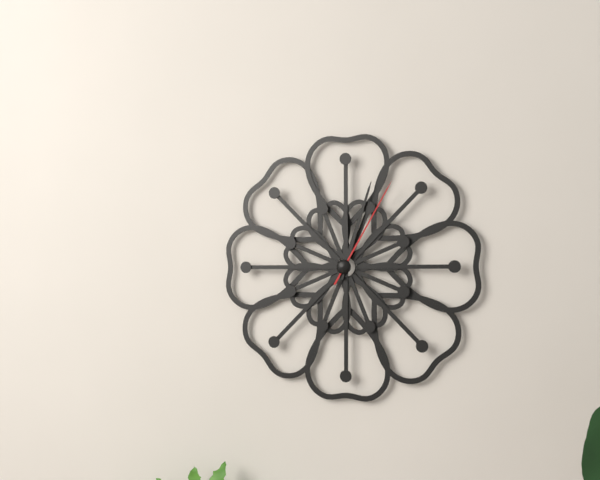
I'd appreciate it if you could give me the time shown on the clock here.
12:03:05
